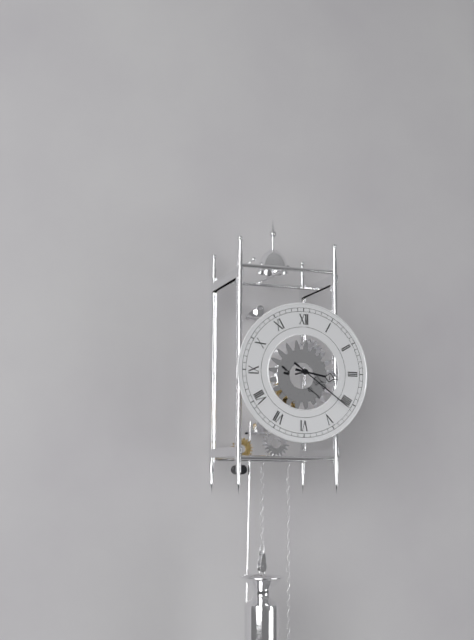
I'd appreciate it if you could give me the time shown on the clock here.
3:21
